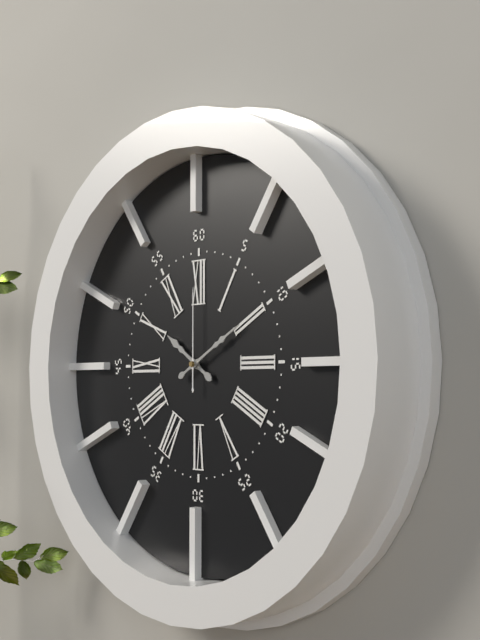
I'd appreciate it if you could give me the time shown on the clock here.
10:10:00
